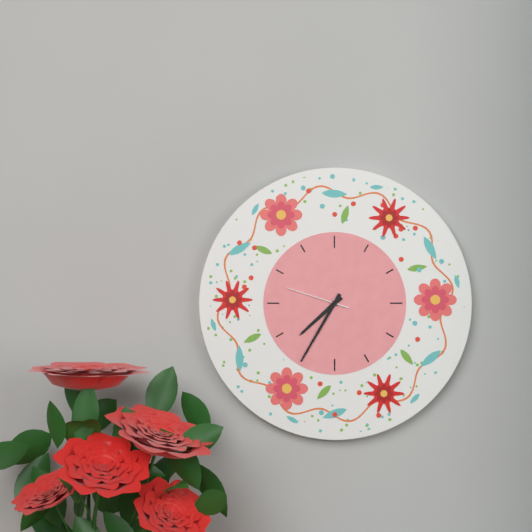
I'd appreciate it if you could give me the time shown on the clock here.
7:35:48
